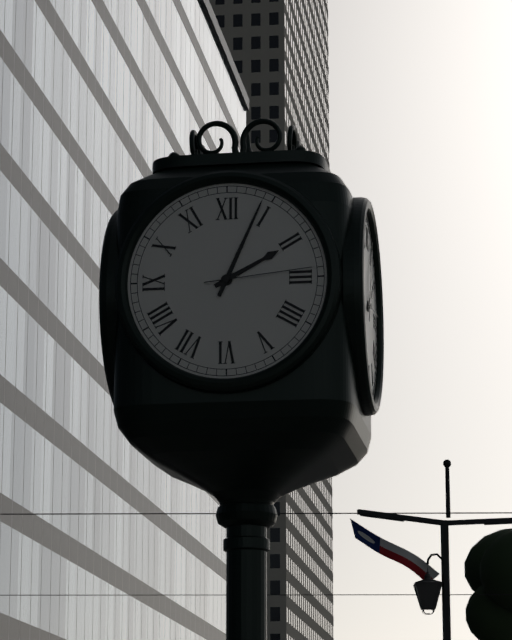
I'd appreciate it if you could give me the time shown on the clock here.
2:04:14
